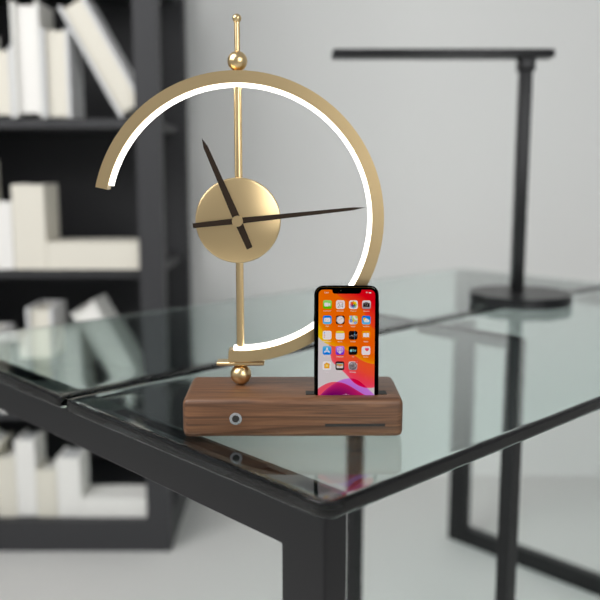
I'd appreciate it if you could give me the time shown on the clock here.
11:14
